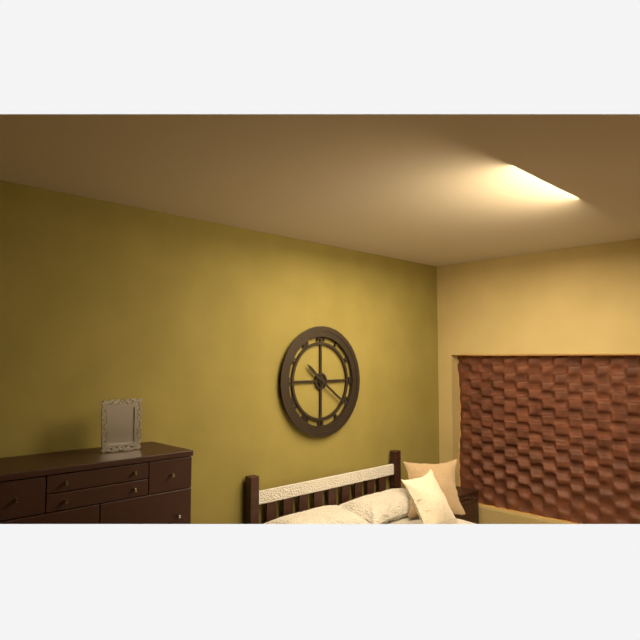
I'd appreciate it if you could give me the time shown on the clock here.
10:21
